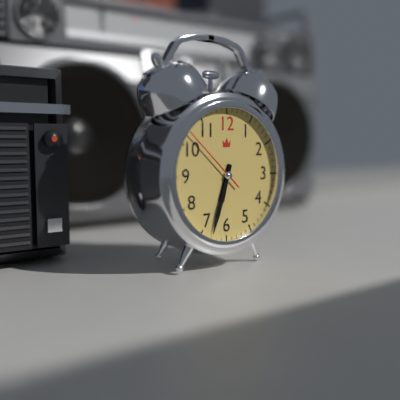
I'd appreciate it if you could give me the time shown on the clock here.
6:33:52
